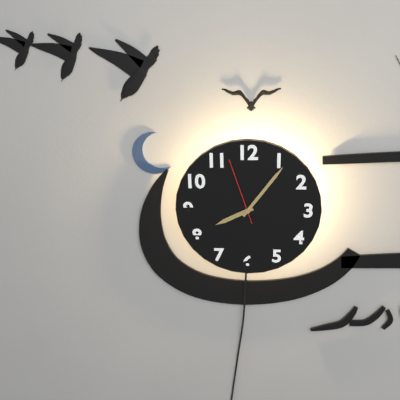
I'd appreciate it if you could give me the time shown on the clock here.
8:06:57
